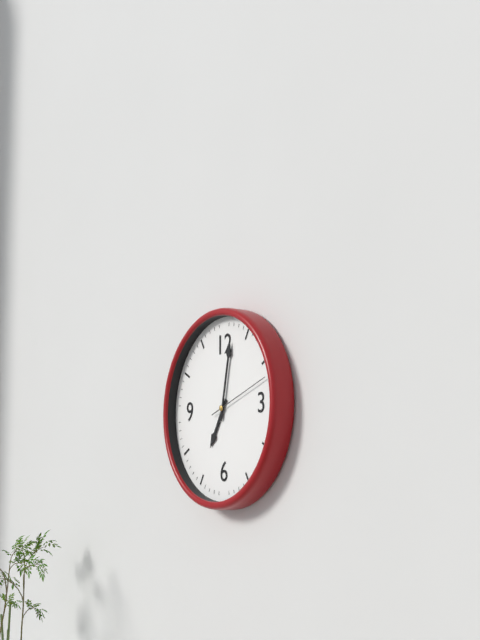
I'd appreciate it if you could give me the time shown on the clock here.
7:02:12
